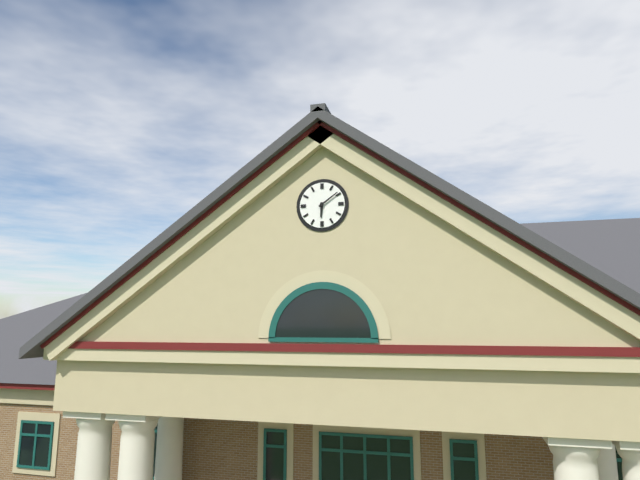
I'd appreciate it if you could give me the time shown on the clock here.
6:09
